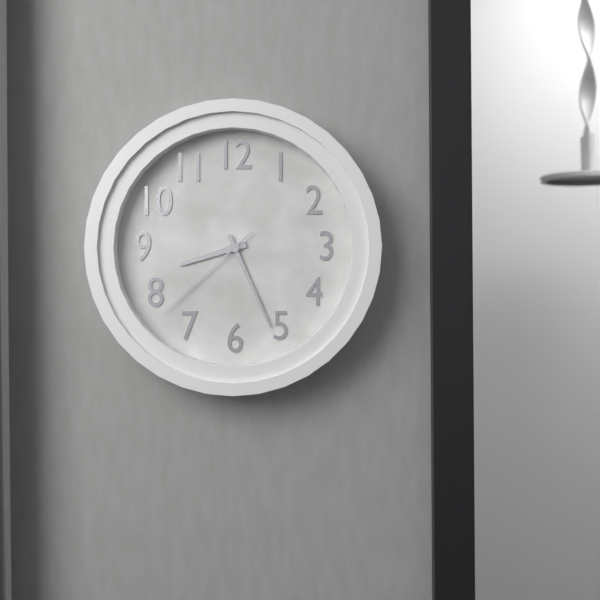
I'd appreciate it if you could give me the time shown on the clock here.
8:26:38
